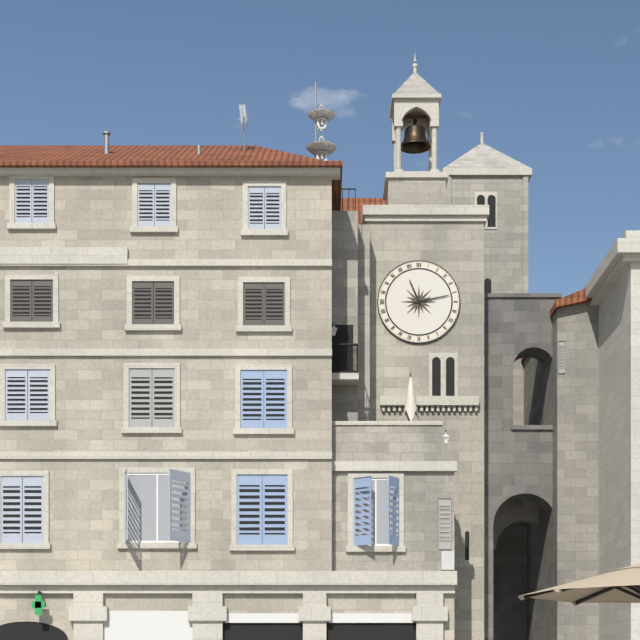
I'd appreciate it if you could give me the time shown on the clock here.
11:13
